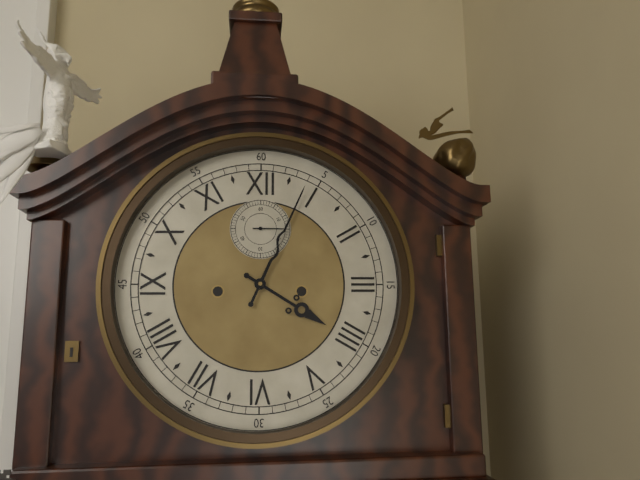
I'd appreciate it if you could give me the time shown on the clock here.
4:04
